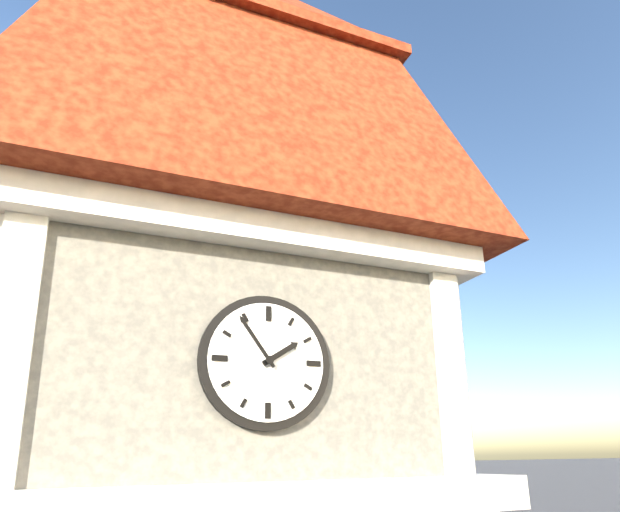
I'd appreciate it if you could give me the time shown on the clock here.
1:54
